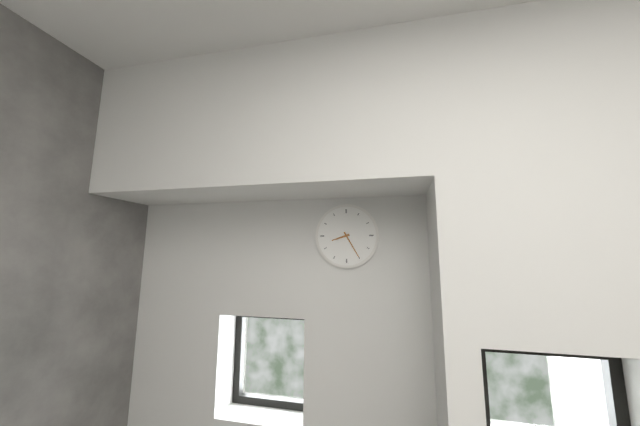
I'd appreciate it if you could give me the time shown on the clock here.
8:25
